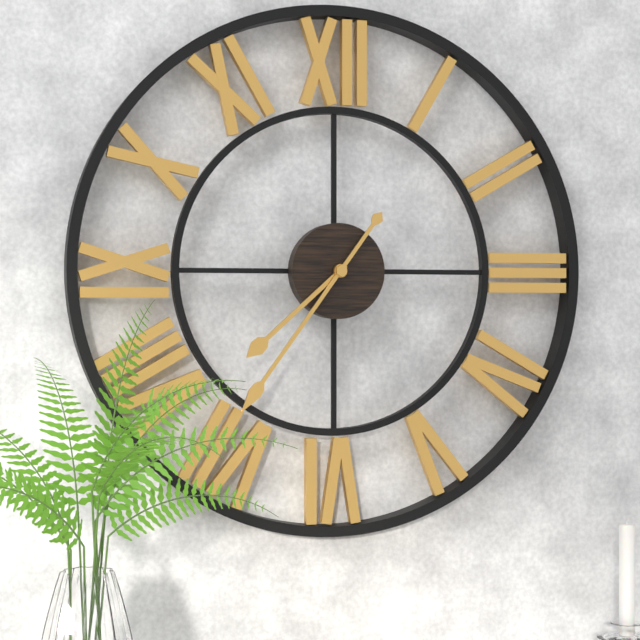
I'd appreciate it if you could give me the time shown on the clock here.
7:36
